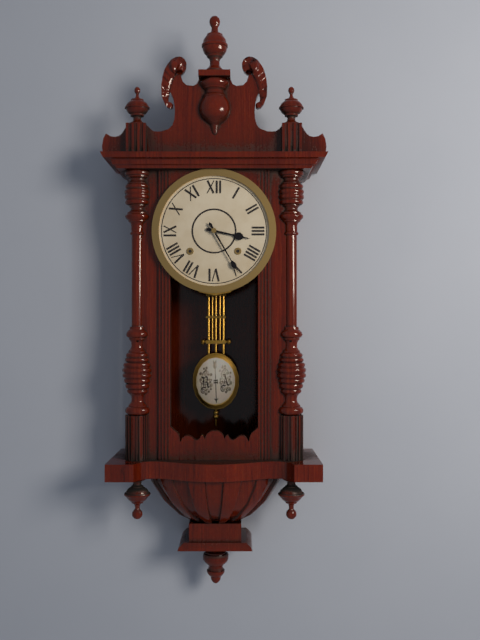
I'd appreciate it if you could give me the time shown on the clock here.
3:25
